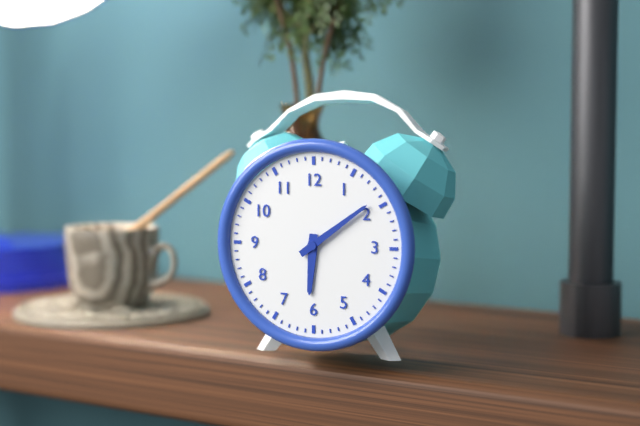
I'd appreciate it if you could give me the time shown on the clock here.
6:09
